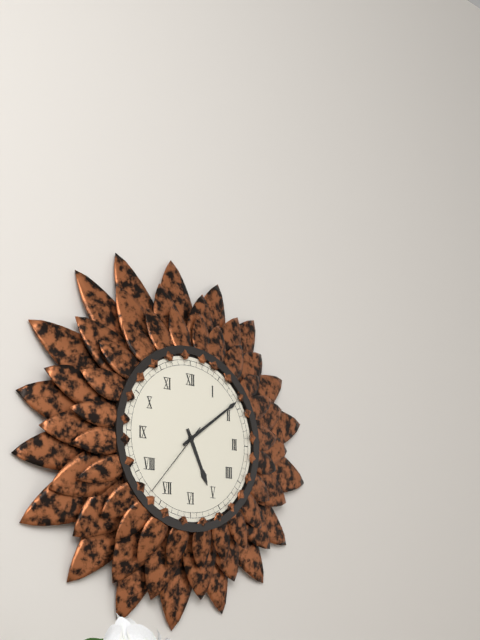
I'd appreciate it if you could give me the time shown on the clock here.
5:09:37
